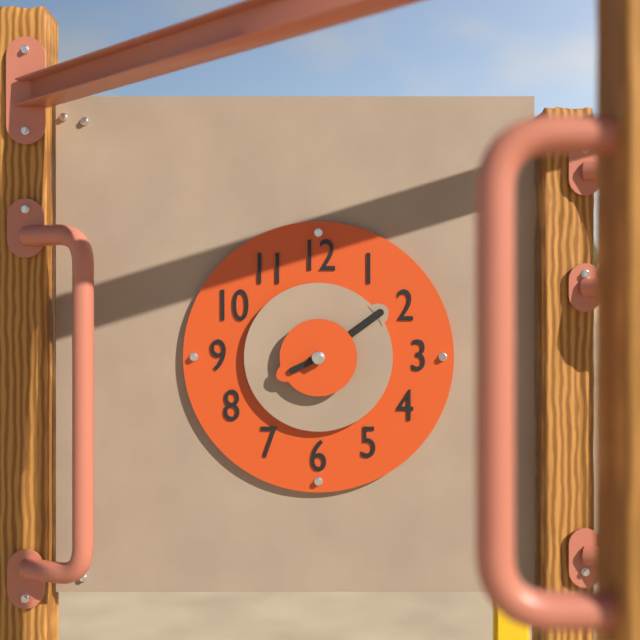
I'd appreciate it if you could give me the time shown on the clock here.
8:09
